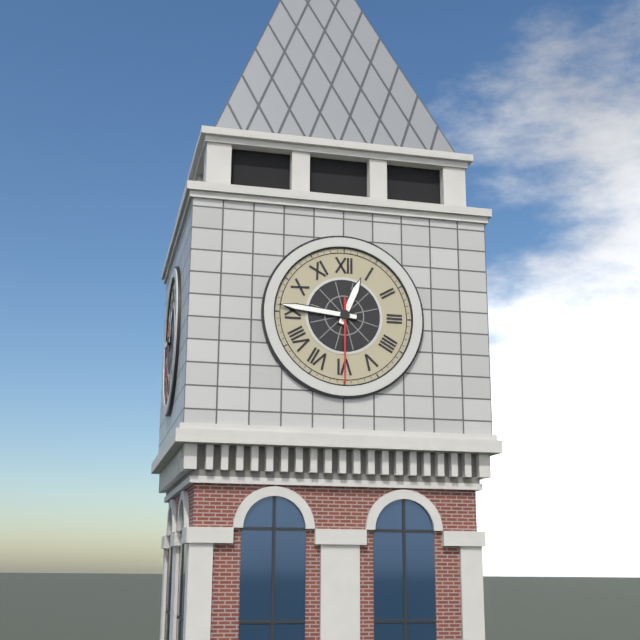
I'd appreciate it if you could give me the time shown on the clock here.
12:46:30
